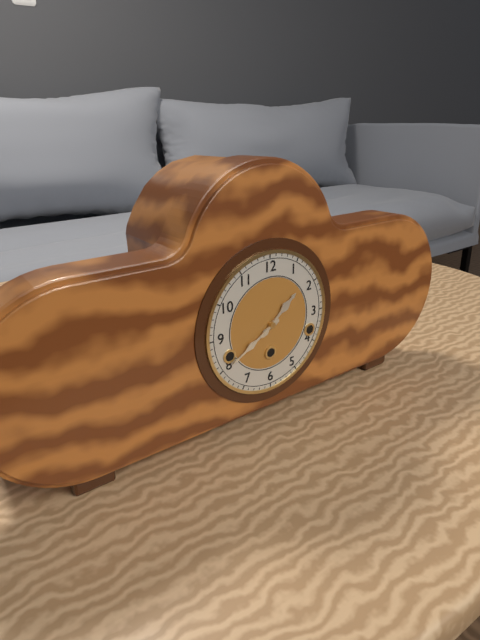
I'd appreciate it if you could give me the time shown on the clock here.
1:40
